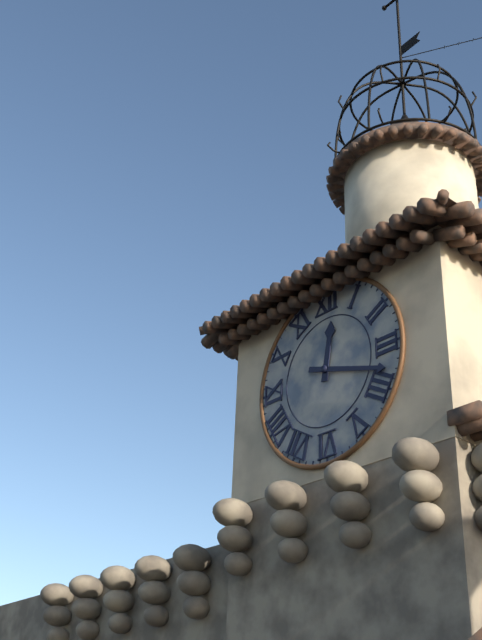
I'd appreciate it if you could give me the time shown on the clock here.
12:18
